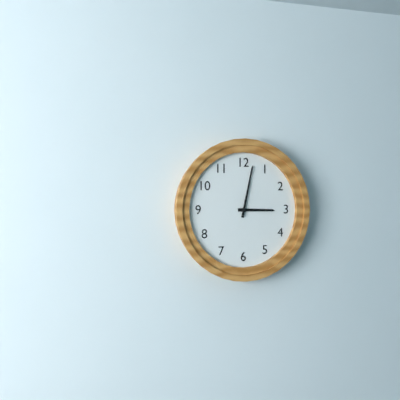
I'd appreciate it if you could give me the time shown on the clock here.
3:02
